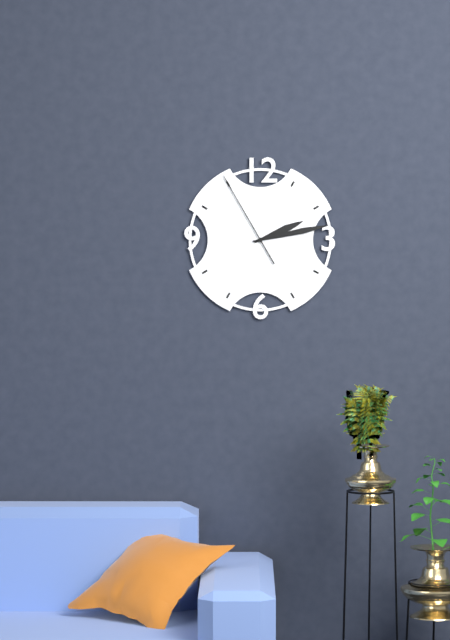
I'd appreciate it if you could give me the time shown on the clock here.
2:13:55
